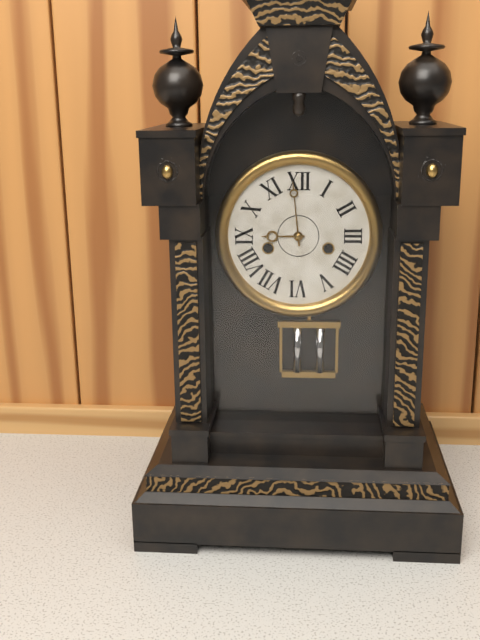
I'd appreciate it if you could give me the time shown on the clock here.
8:59
